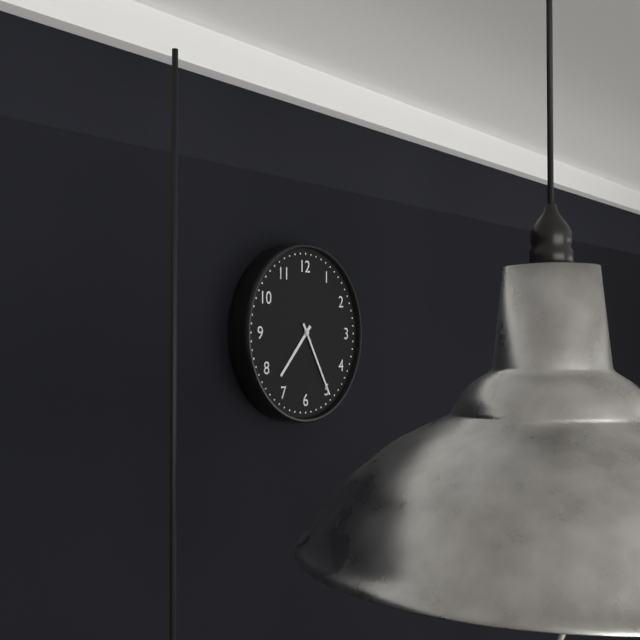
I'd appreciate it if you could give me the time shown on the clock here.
7:25
